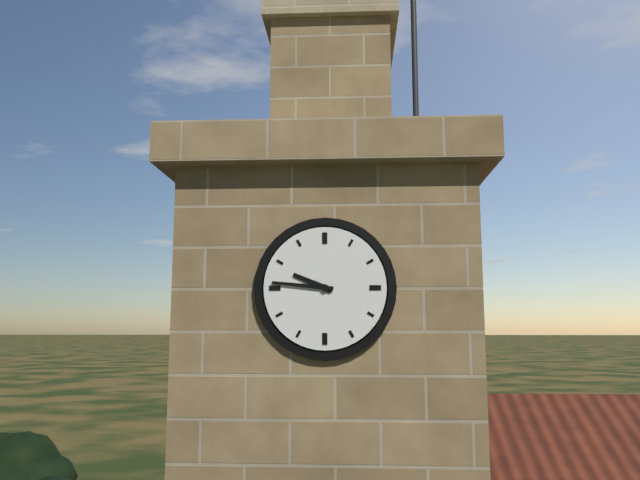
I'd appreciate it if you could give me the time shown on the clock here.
9:46
